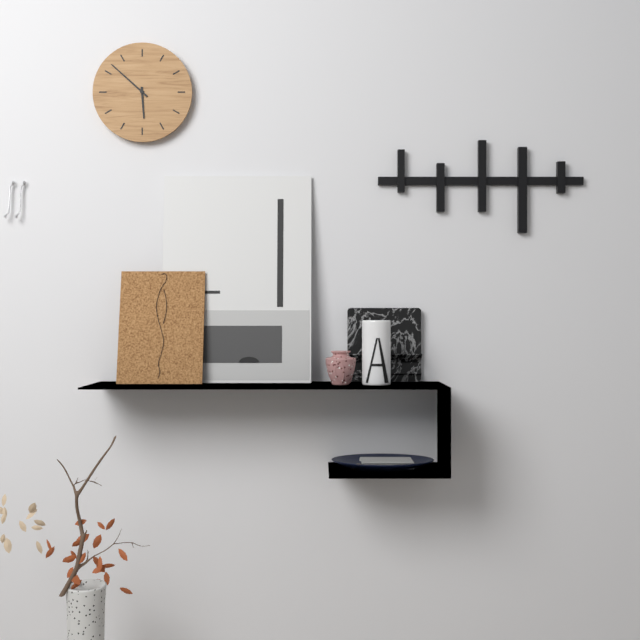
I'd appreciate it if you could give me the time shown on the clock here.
5:52
